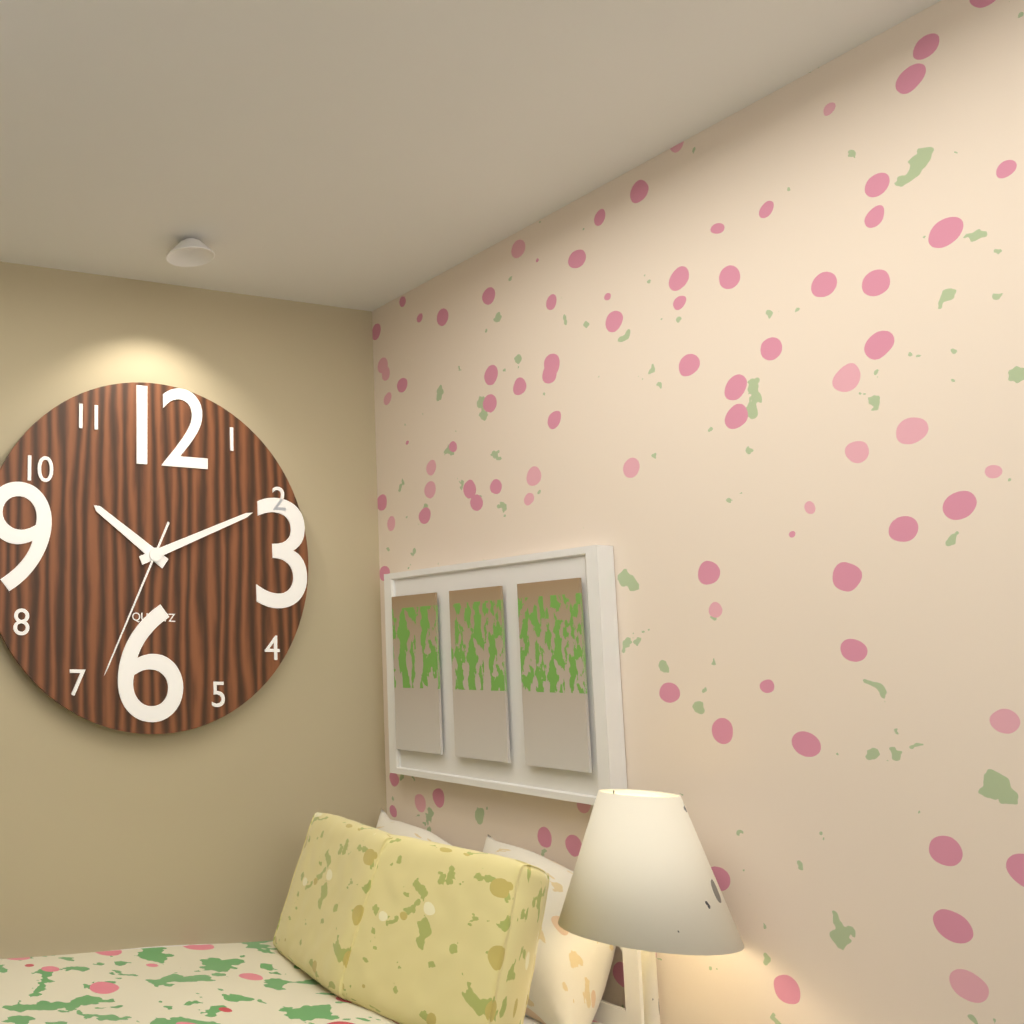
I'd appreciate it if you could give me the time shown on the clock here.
10:11:34
